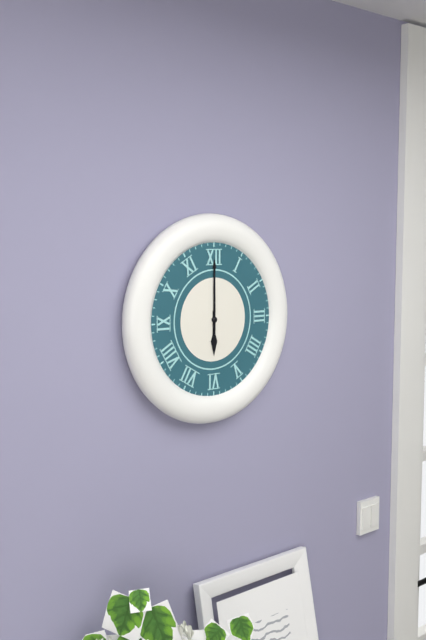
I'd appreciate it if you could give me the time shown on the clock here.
6:00
